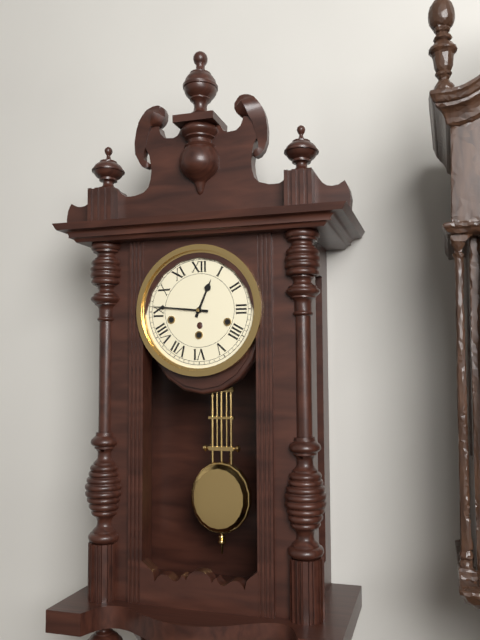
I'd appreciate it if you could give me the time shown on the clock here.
12:46
